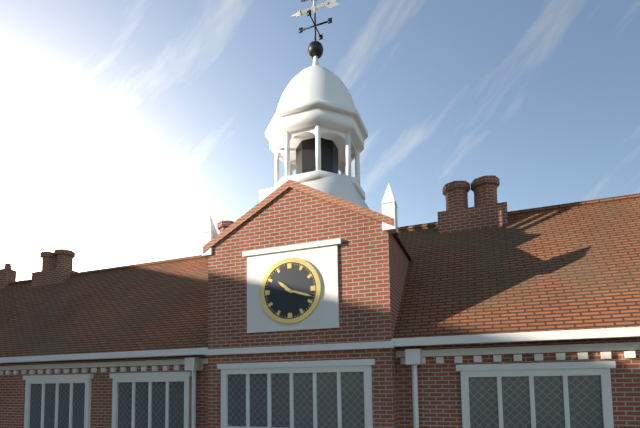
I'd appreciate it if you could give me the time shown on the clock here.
10:18
